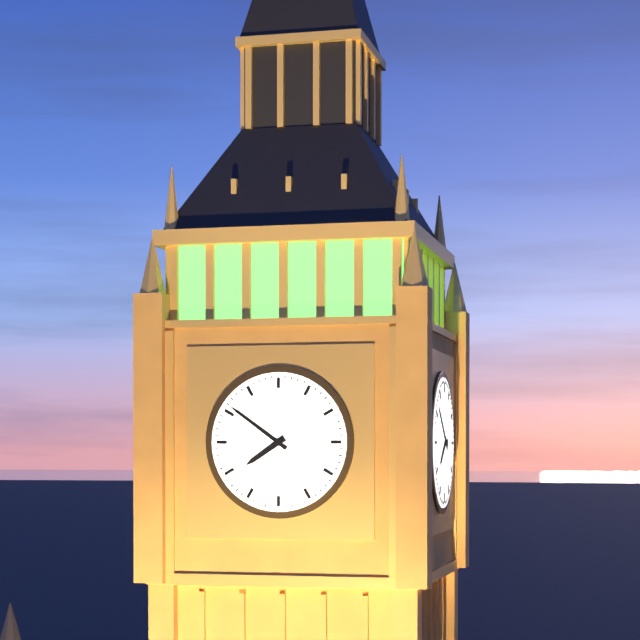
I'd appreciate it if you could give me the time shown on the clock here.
7:51
